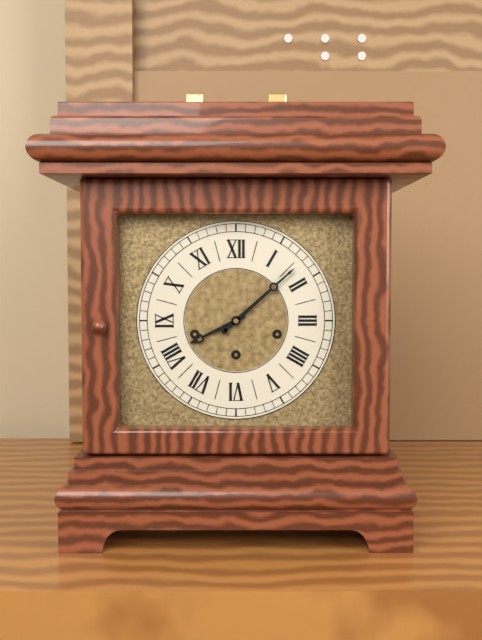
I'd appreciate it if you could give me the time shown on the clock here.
8:08
